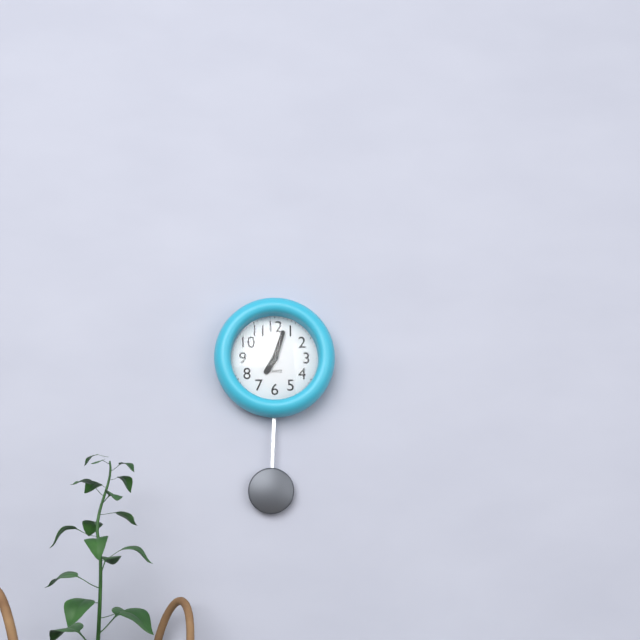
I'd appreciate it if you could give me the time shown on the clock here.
7:03
